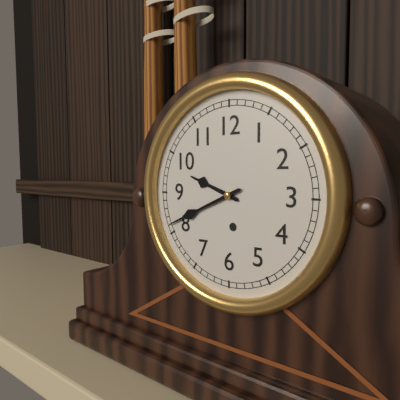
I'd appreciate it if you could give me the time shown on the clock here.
9:41
